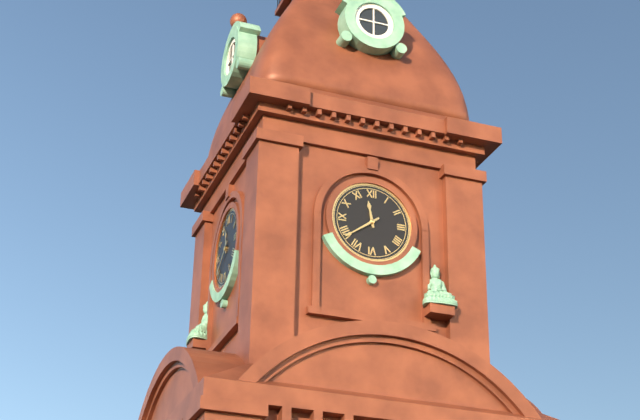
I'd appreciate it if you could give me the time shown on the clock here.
11:39
